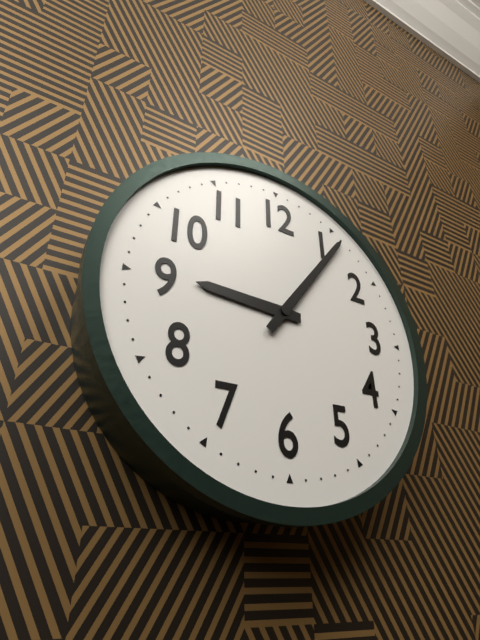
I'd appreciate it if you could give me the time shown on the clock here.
9:06
